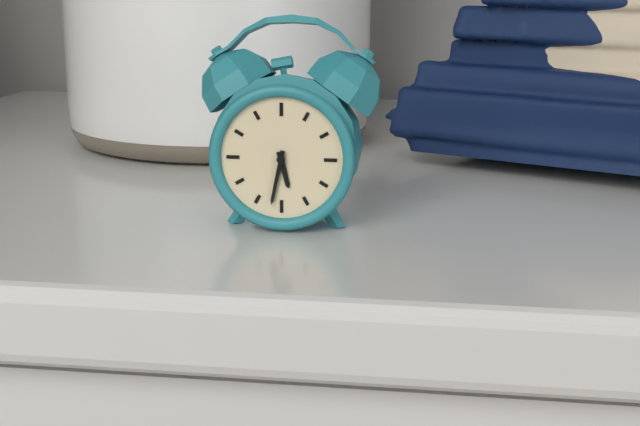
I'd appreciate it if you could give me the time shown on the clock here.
5:32
